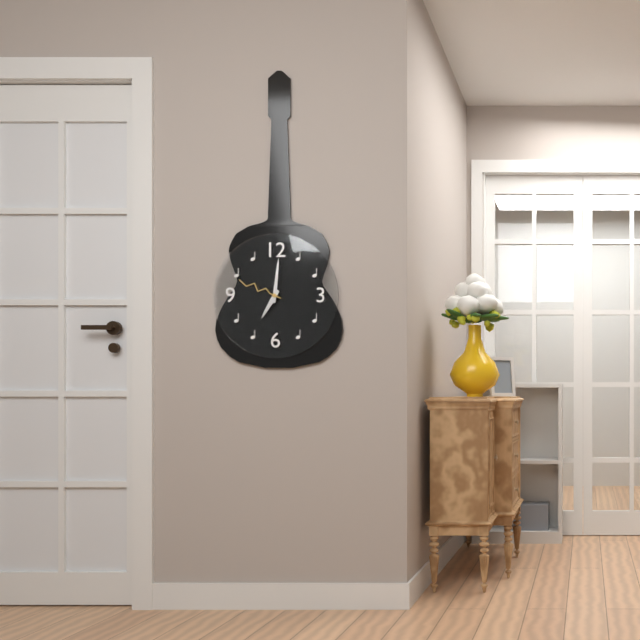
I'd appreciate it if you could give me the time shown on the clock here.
7:01
